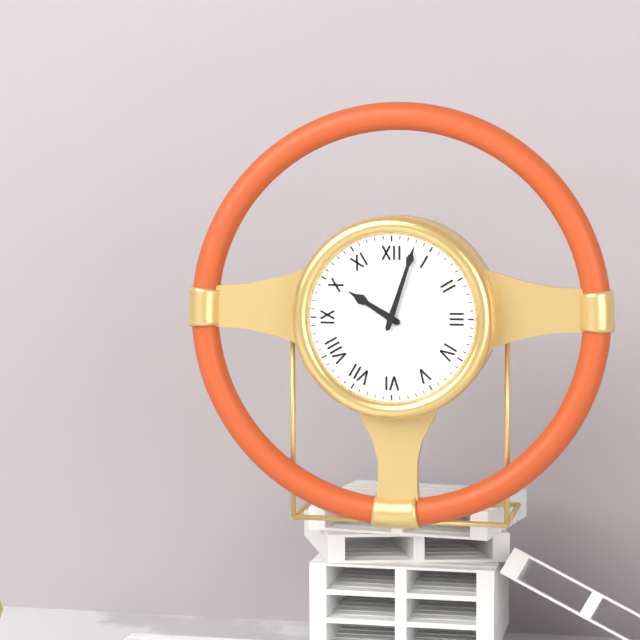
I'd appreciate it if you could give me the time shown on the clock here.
10:03
